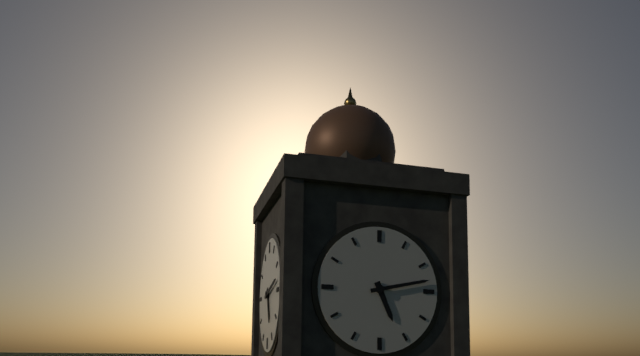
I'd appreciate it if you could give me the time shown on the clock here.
5:13
